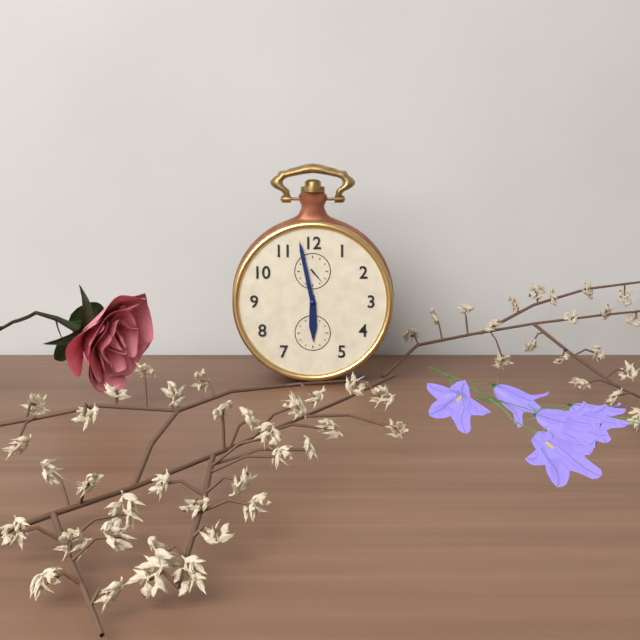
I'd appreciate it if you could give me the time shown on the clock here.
5:58
